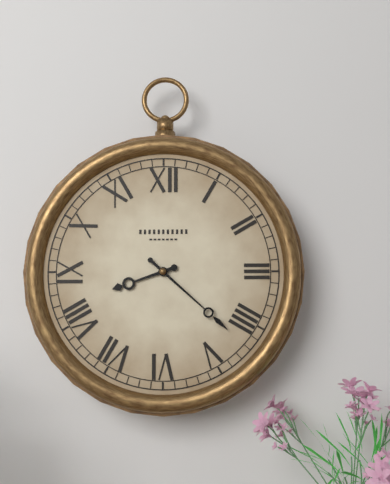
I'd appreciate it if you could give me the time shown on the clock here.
8:22
